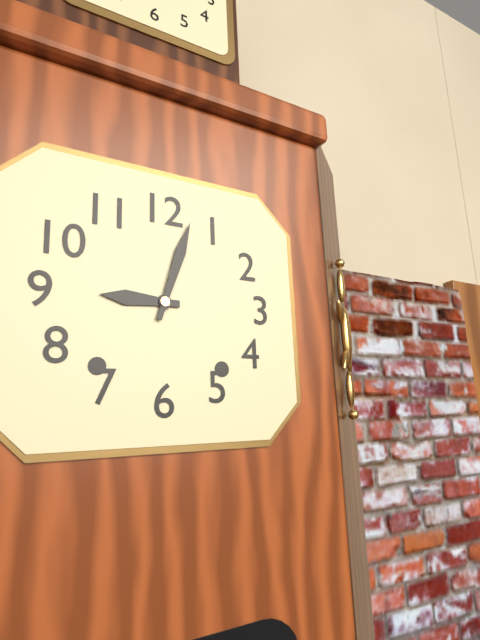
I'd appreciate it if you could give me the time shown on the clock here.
9:03
